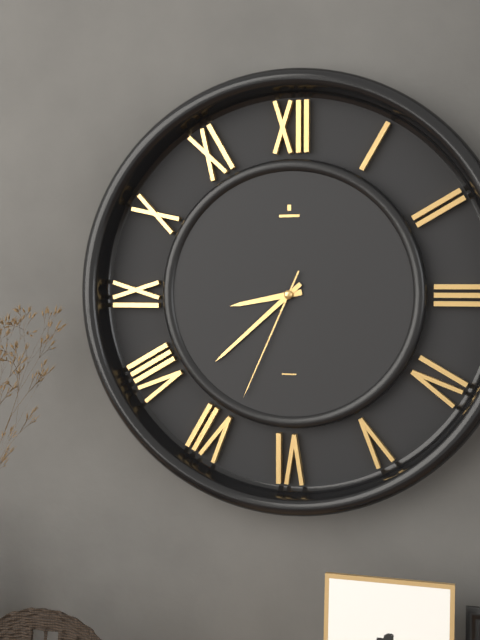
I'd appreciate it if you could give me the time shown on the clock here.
8:38:34
